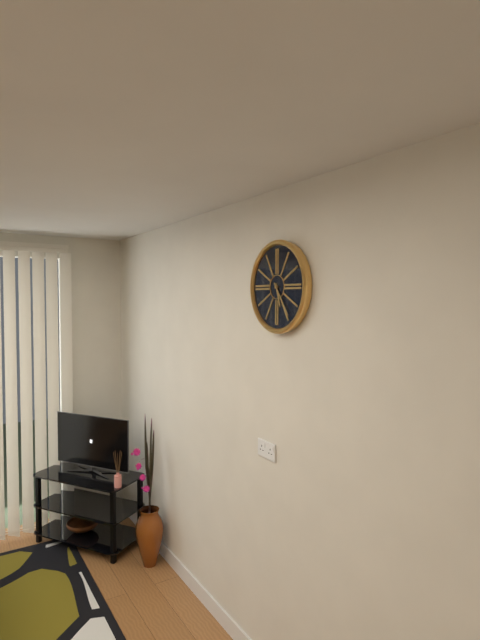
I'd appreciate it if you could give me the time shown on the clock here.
5:24
